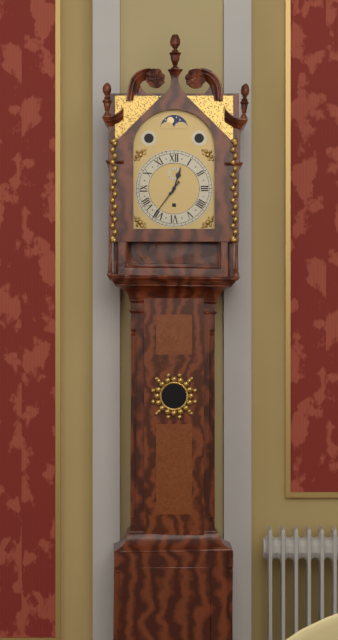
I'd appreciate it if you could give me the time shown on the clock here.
12:36
